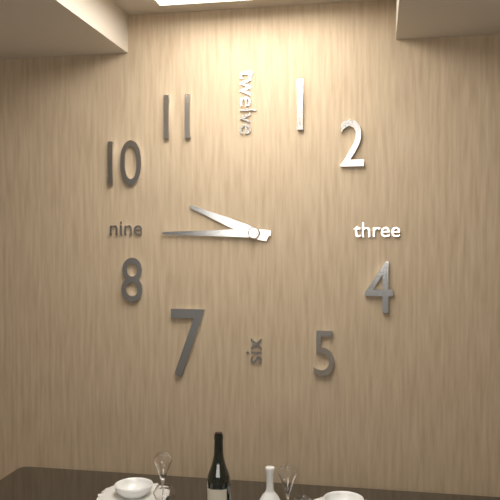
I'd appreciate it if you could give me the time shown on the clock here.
9:45
